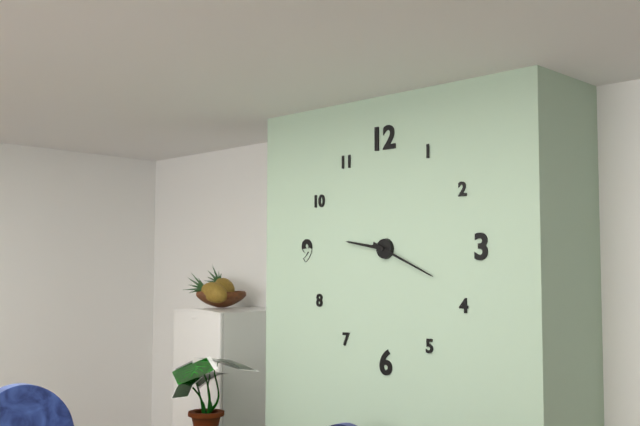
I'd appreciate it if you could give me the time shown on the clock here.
9:19
